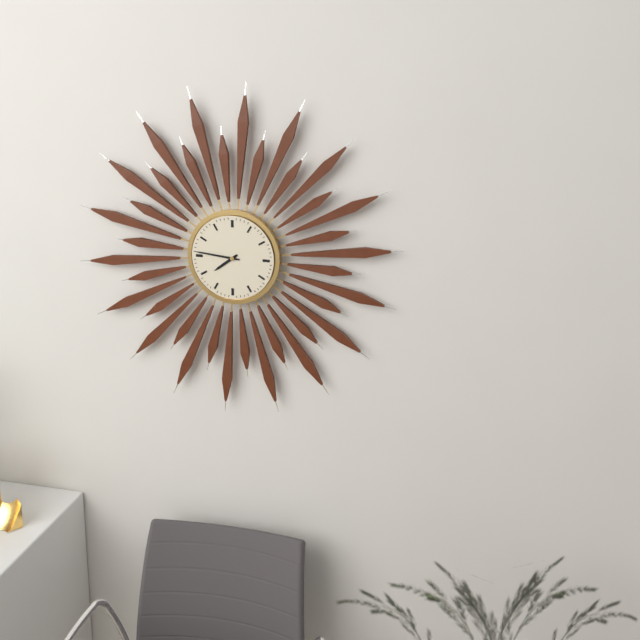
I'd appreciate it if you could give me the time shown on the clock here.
7:46
